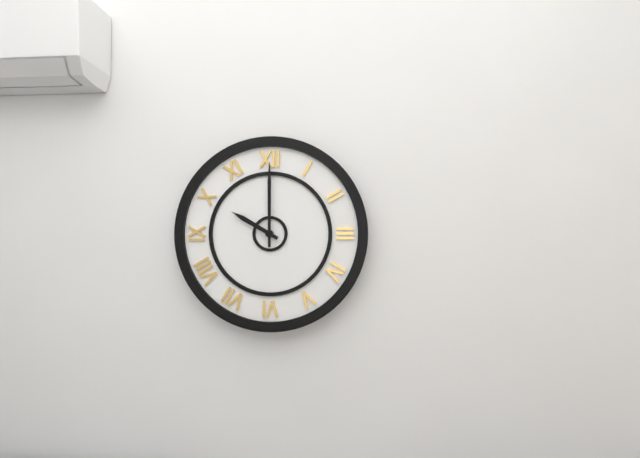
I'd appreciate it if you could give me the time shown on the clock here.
10:00
